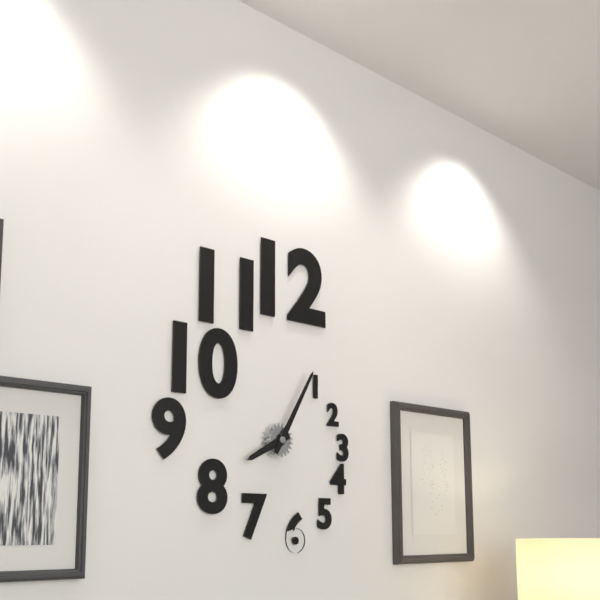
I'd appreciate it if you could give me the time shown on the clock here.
8:05
